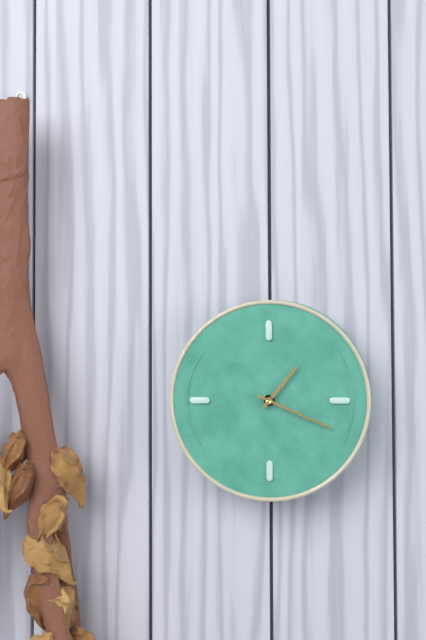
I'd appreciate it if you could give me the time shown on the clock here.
1:19
